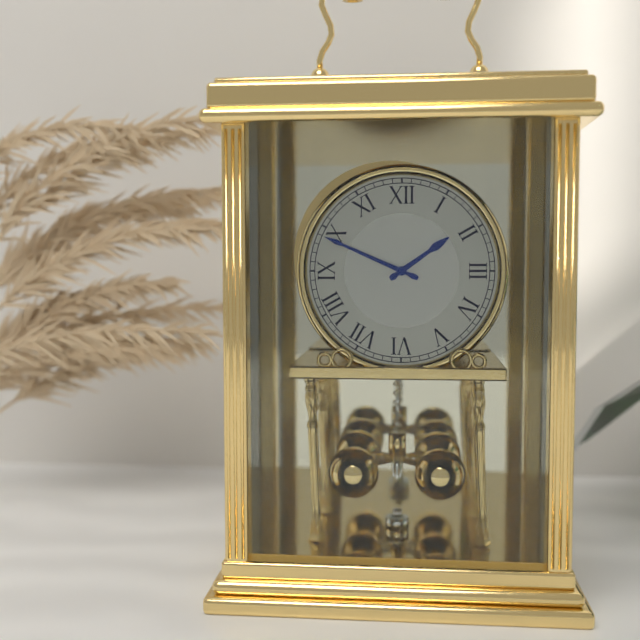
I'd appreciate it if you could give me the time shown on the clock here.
1:49
